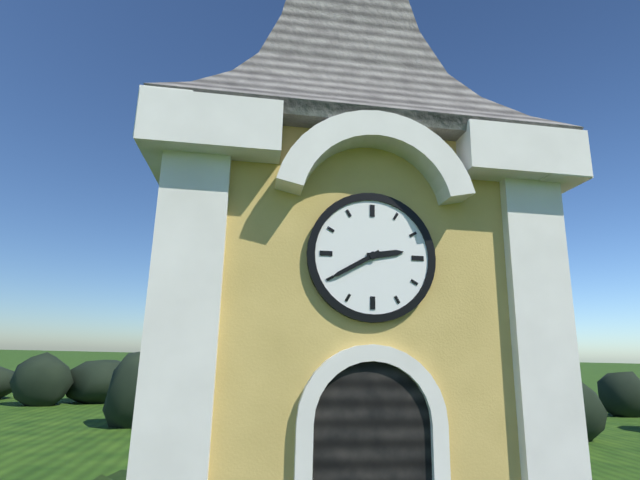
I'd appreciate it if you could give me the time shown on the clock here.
2:40
